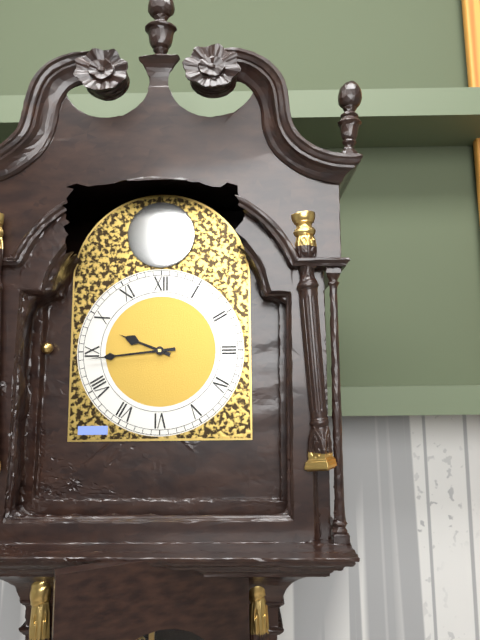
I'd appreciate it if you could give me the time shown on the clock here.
9:44
